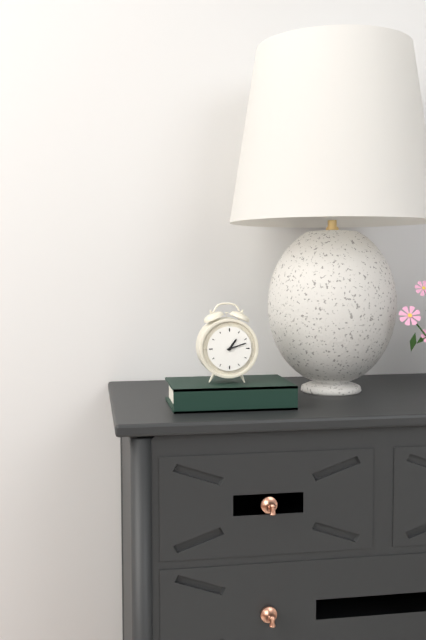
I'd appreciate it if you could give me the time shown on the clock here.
1:12
